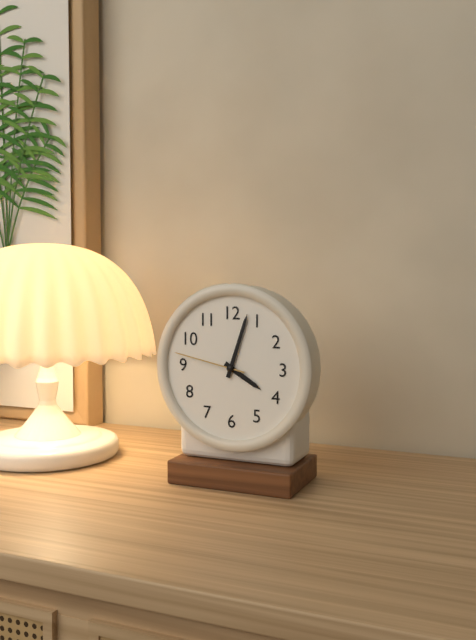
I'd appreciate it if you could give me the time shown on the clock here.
4:03:47
